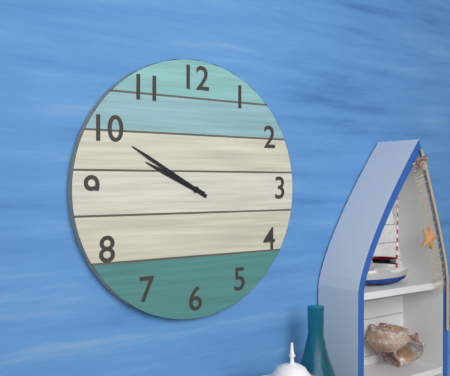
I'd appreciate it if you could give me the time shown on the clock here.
9:50
